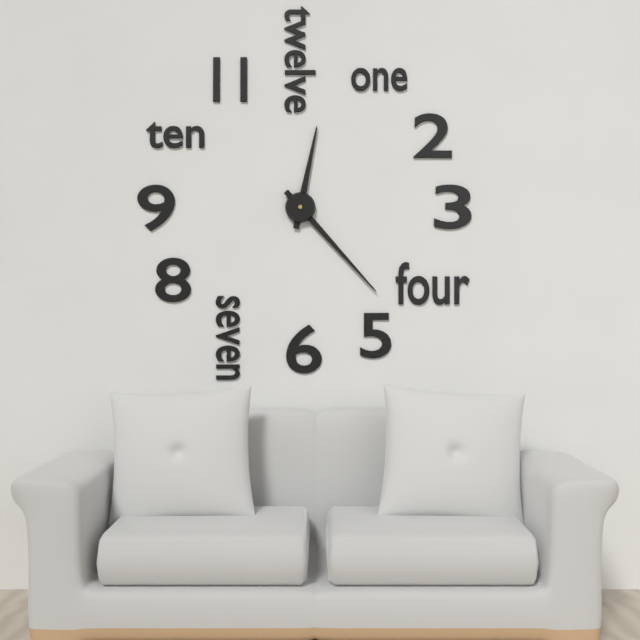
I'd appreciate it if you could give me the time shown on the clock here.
12:23
